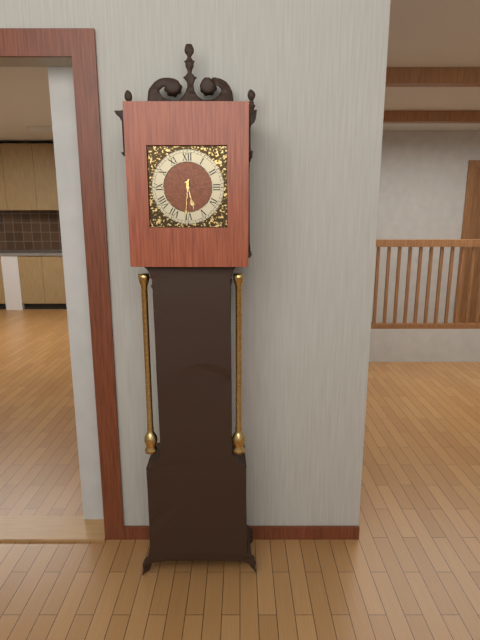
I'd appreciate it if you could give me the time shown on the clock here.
5:31
